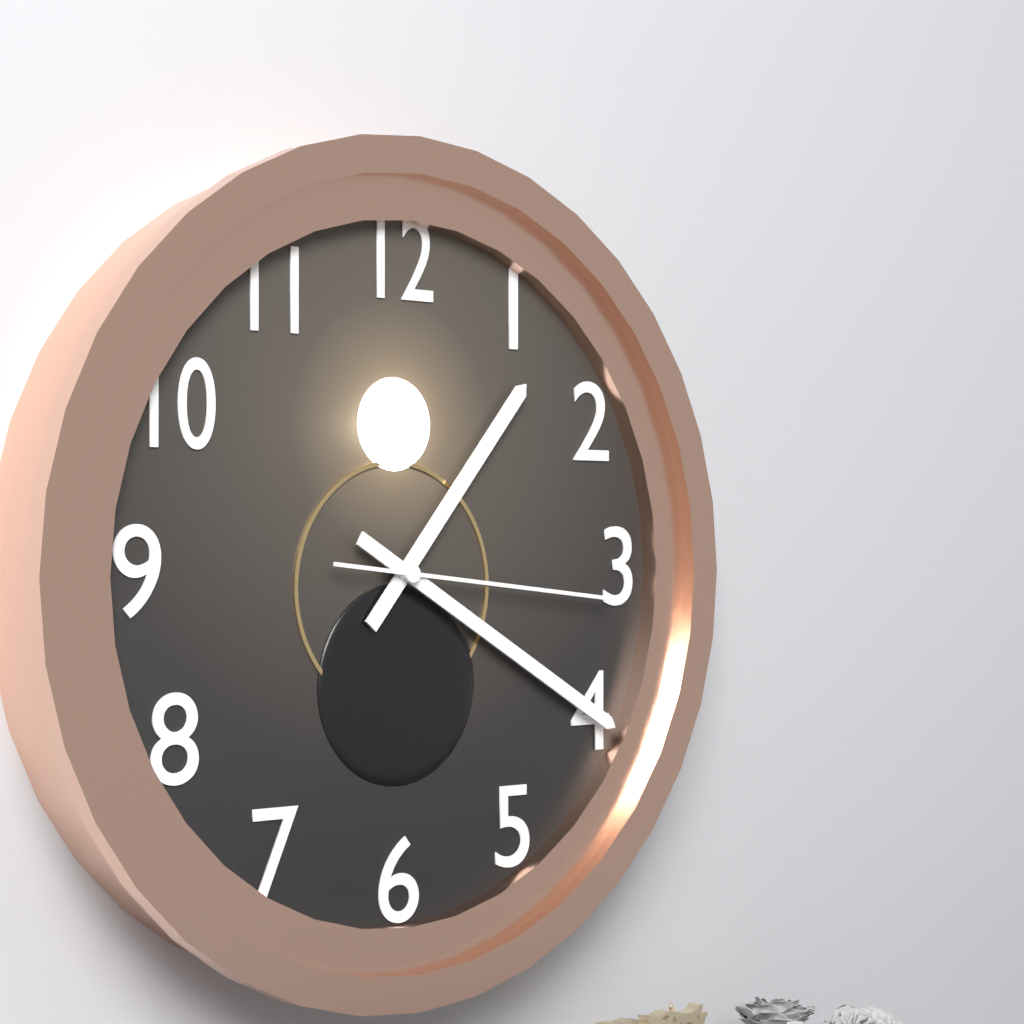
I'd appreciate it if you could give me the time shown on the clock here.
1:20:16
